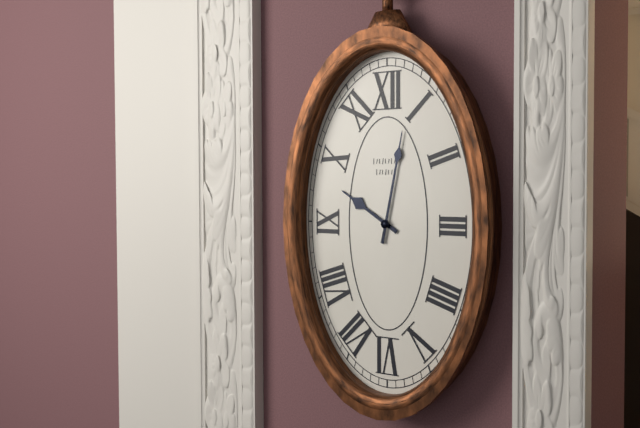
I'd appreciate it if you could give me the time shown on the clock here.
10:02
